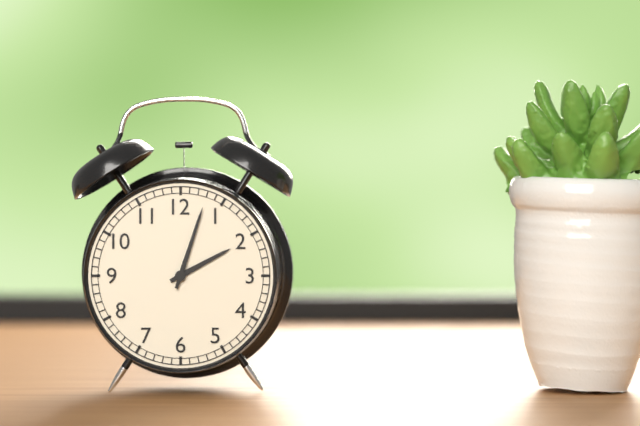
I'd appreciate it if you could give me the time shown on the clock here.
2:03
